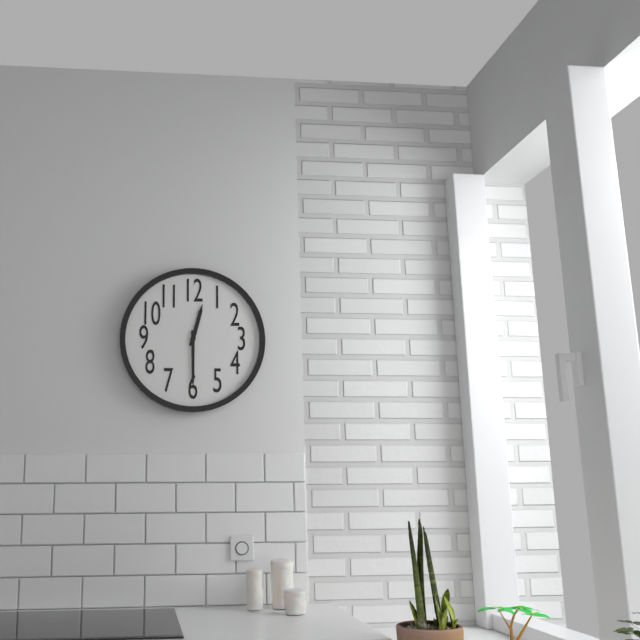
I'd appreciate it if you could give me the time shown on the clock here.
12:30
